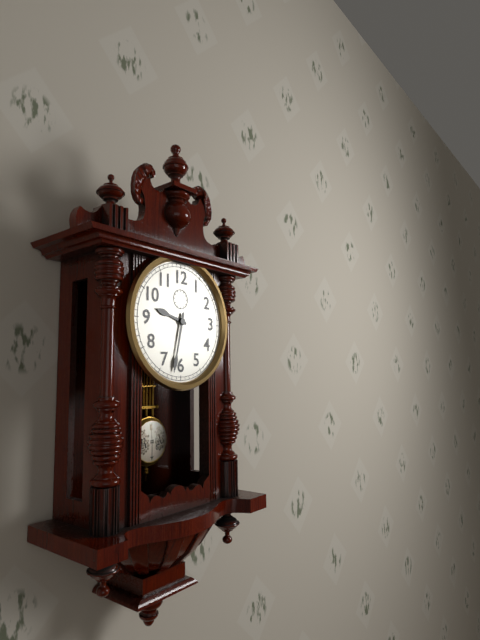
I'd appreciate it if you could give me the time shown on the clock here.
9:32
